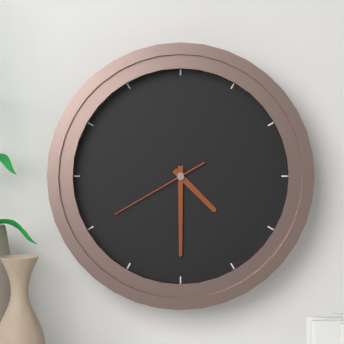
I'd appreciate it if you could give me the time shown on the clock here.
4:30:40
